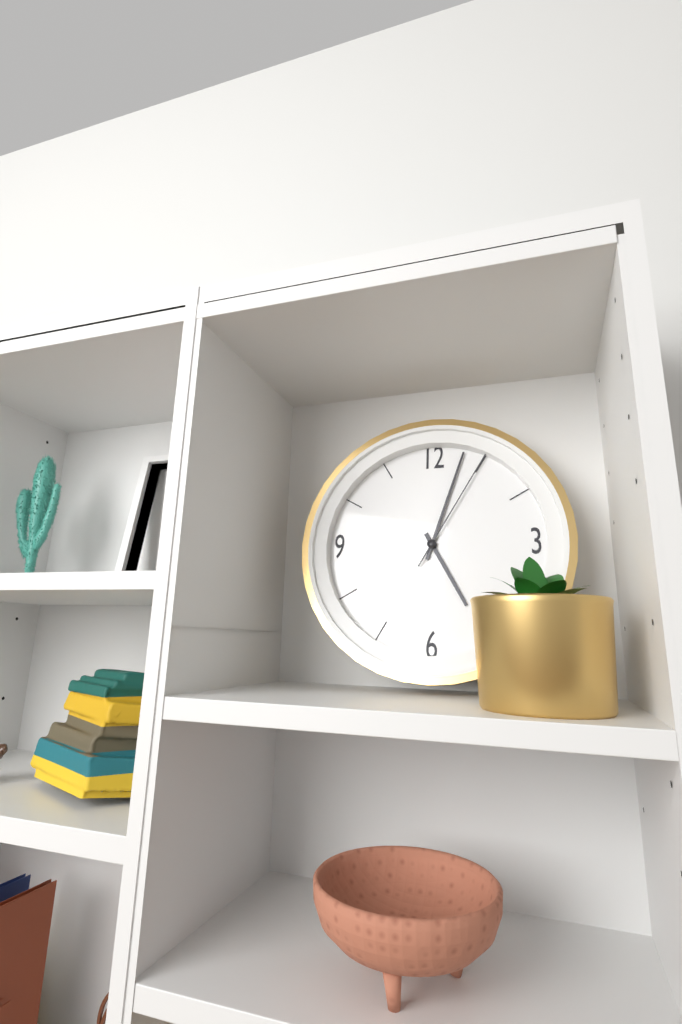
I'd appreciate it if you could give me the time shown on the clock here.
5:03:05
